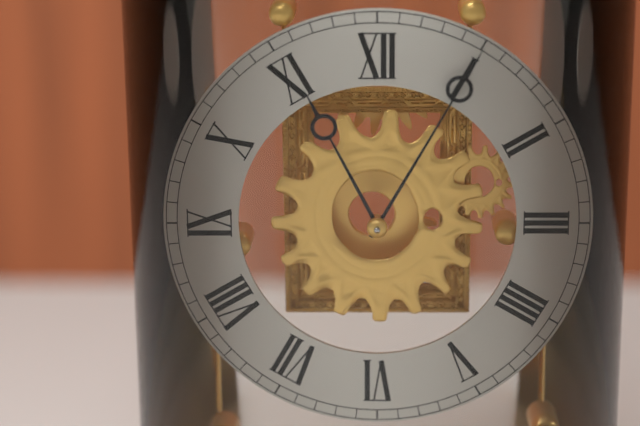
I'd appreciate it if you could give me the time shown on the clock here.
11:05
